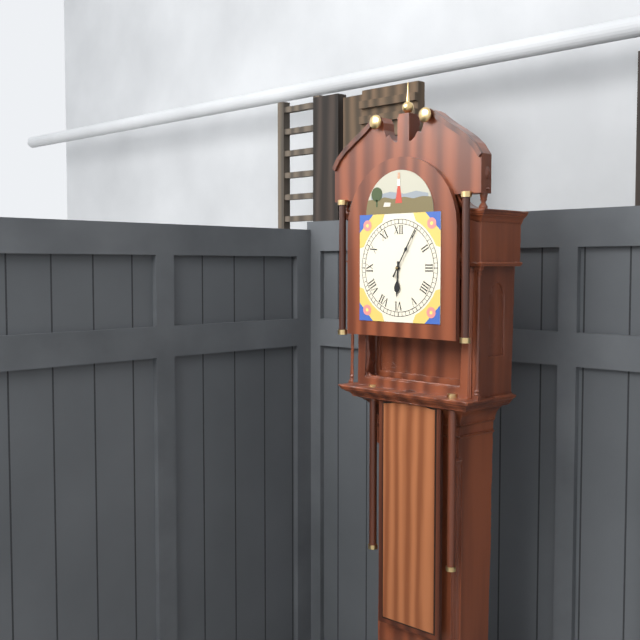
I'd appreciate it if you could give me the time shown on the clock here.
6:05
